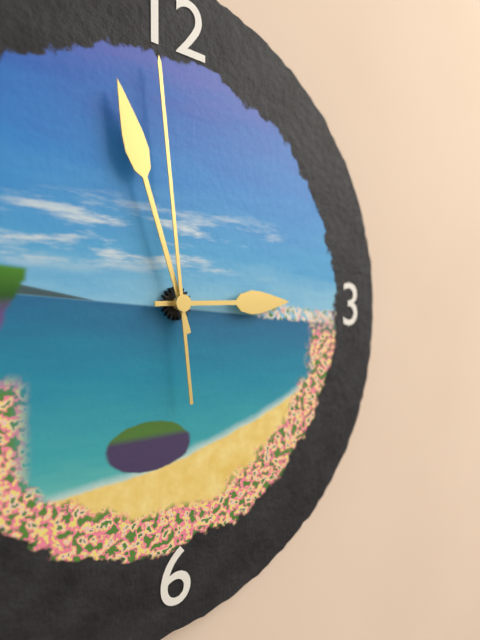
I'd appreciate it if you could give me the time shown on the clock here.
2:57:59
